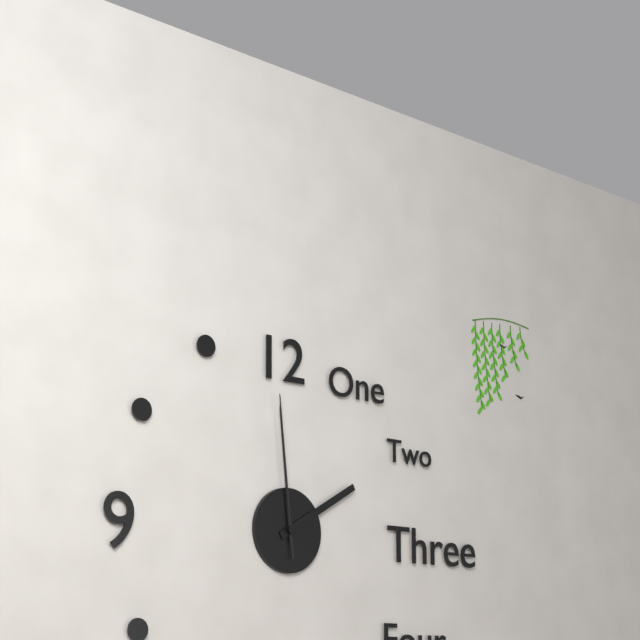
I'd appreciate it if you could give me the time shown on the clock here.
1:59:59
